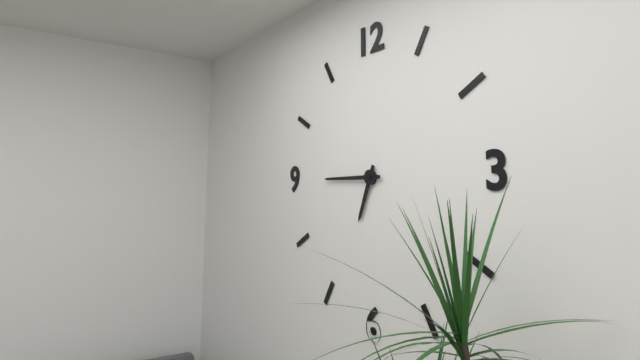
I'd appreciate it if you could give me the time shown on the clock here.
6:45
